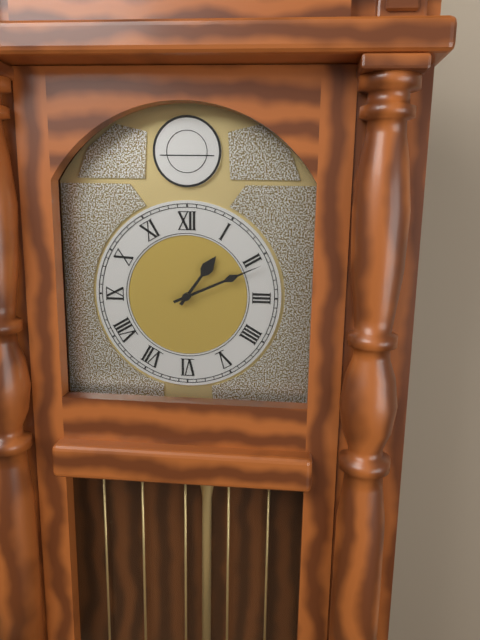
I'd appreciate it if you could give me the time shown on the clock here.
1:11
